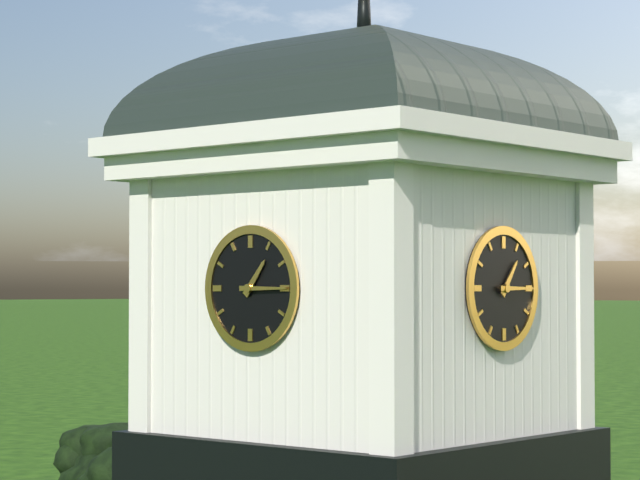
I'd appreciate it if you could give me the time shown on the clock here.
1:15
